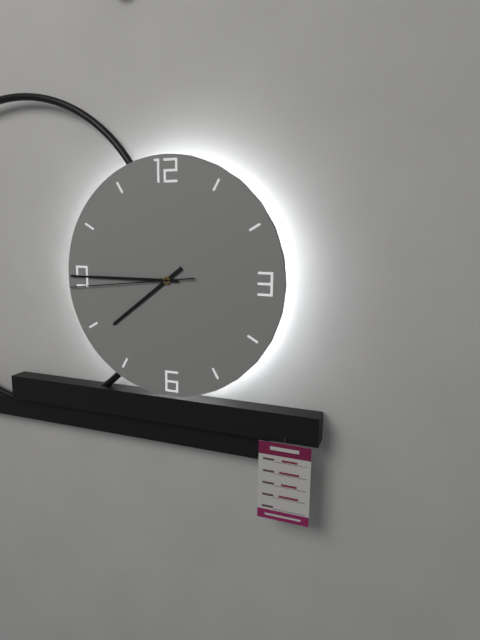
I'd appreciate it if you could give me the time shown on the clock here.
7:45:44
